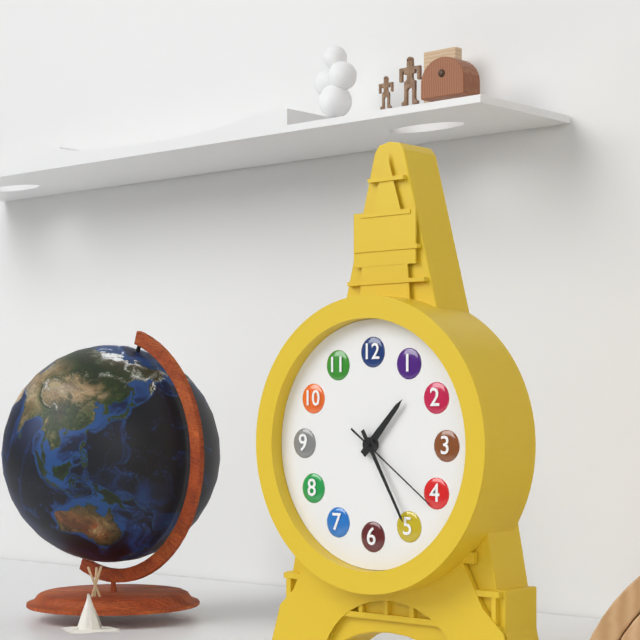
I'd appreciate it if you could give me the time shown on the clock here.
1:25:21
